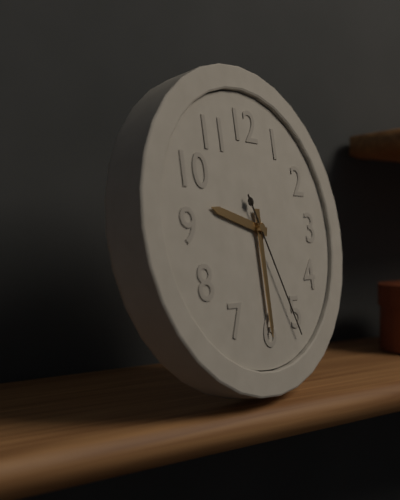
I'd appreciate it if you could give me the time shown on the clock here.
9:30:26
